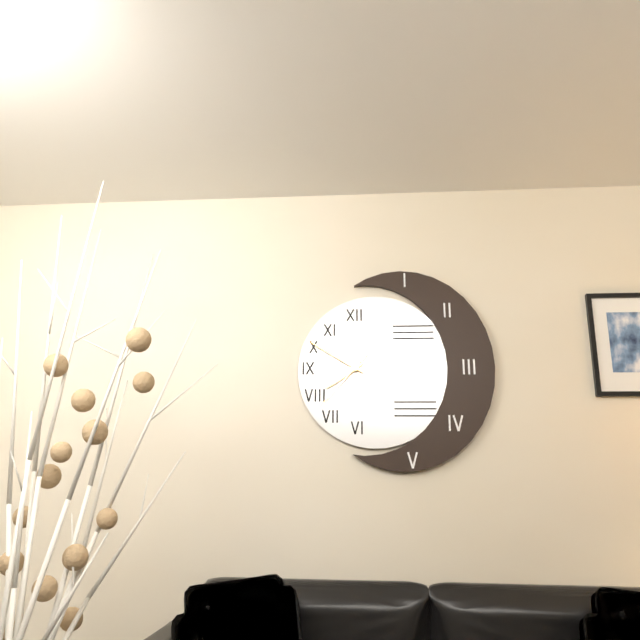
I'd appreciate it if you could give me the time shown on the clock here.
7:50:37
